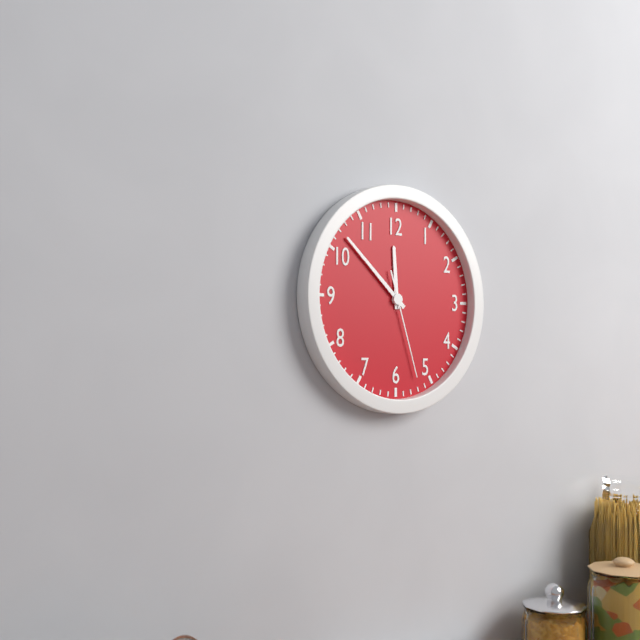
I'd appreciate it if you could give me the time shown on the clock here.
11:52:27
